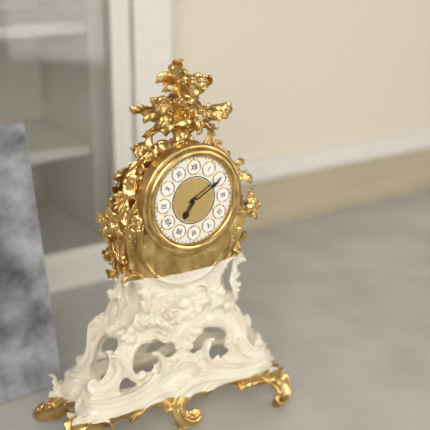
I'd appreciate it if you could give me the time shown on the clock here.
7:10
